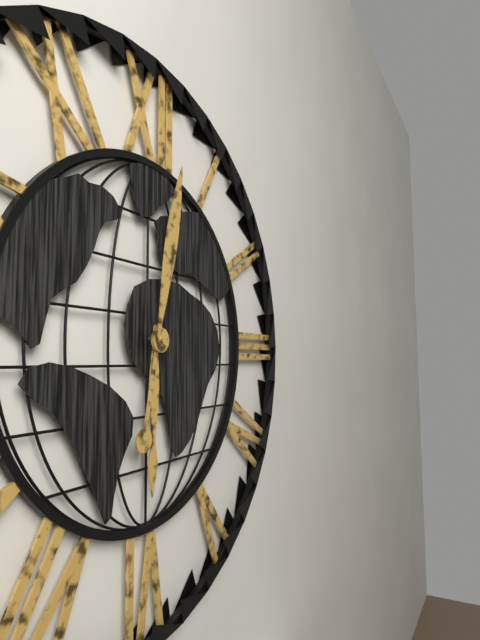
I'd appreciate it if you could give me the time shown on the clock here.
6:02
